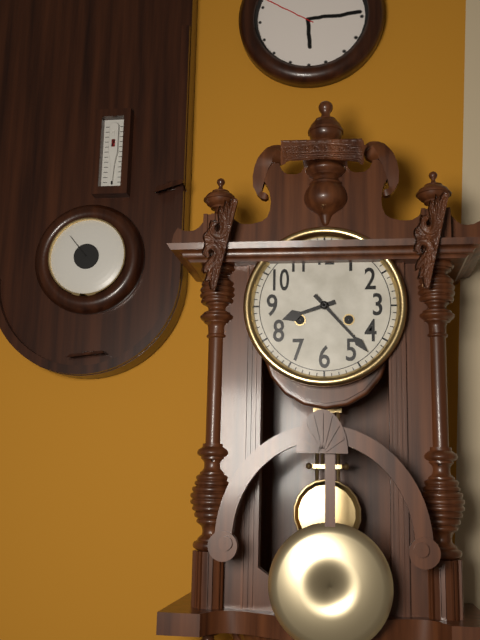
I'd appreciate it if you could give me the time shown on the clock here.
8:23
